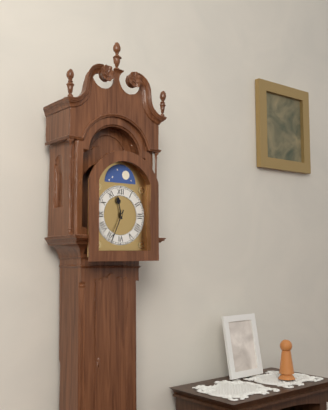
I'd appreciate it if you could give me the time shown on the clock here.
11:34
